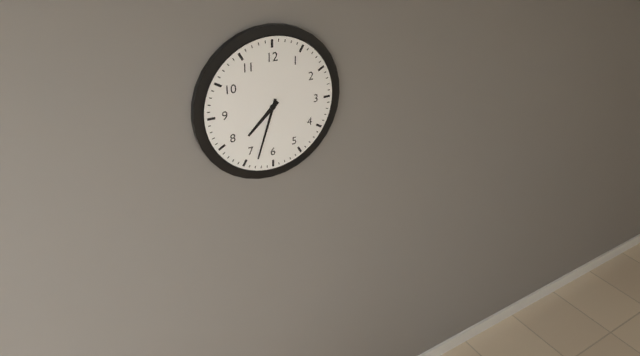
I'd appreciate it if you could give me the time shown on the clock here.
7:33
